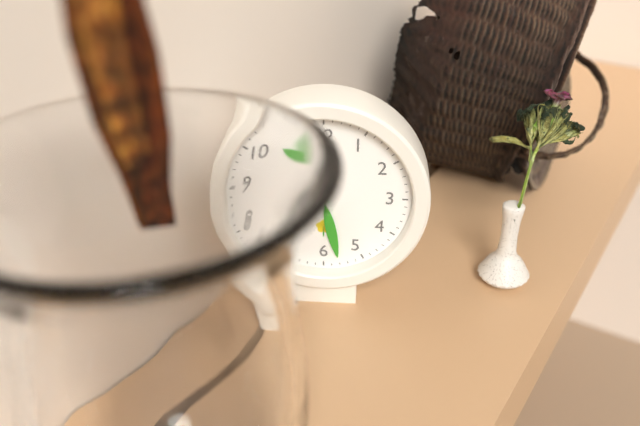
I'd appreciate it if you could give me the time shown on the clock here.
10:28
